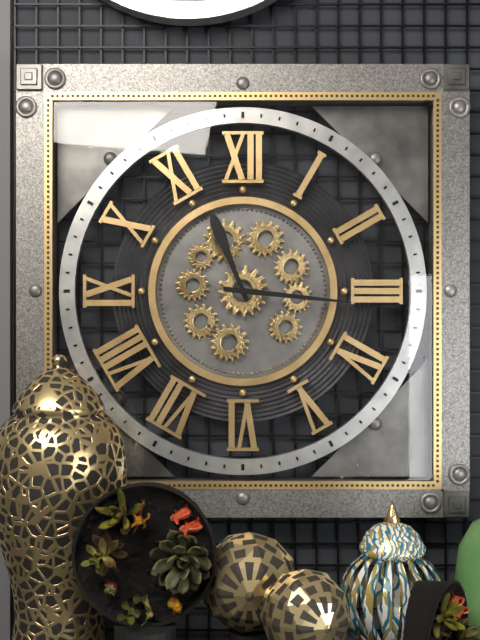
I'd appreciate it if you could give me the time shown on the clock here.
11:16
